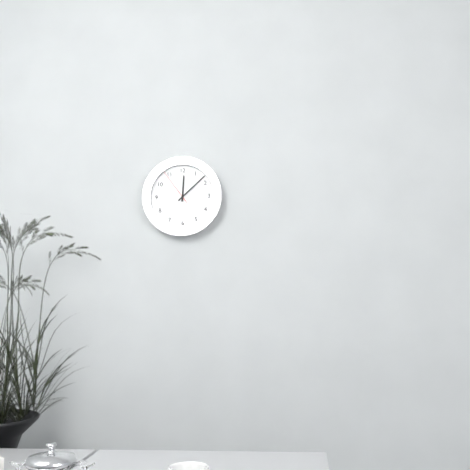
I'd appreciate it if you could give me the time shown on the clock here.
12:08
